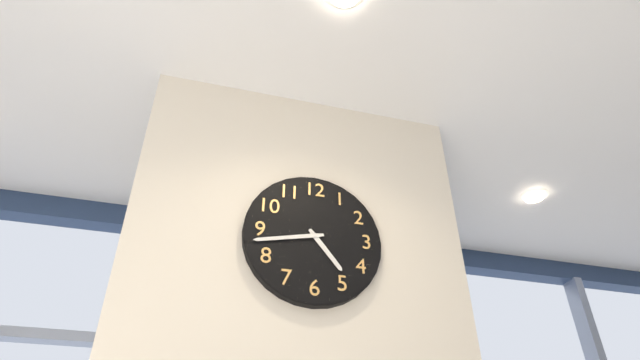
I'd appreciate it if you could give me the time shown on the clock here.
4:43
